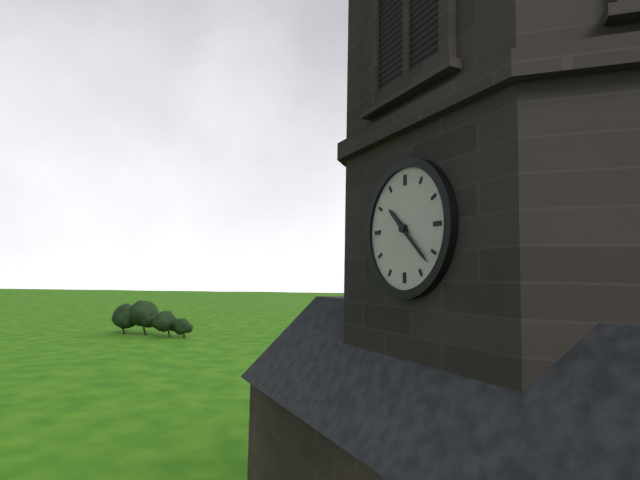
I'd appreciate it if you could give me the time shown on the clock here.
10:22
